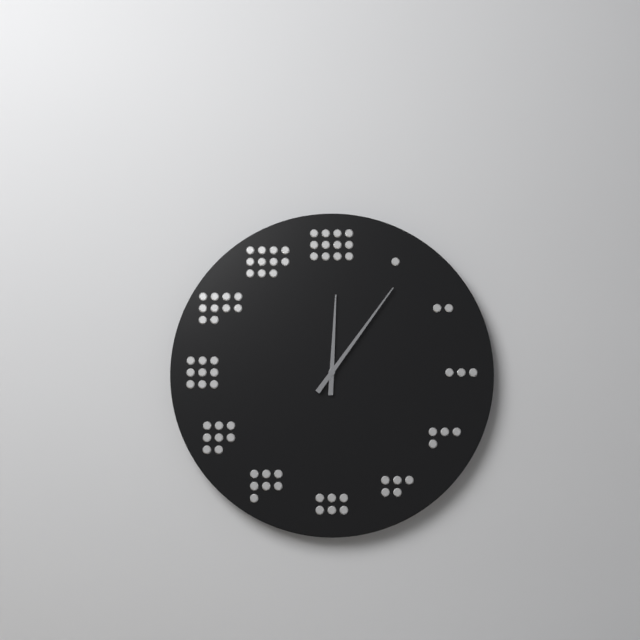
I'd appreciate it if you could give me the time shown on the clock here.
12:06
